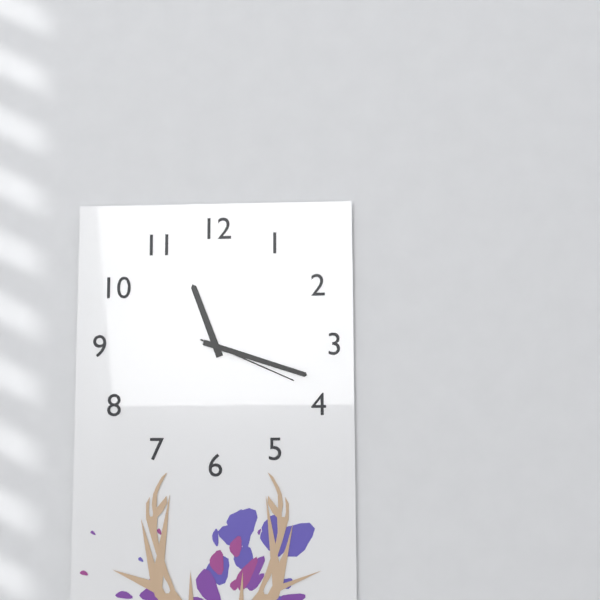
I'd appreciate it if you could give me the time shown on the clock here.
11:18:19
